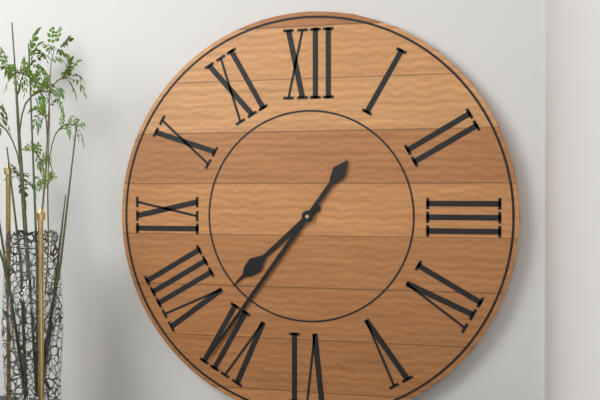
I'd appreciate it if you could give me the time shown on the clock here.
7:36
